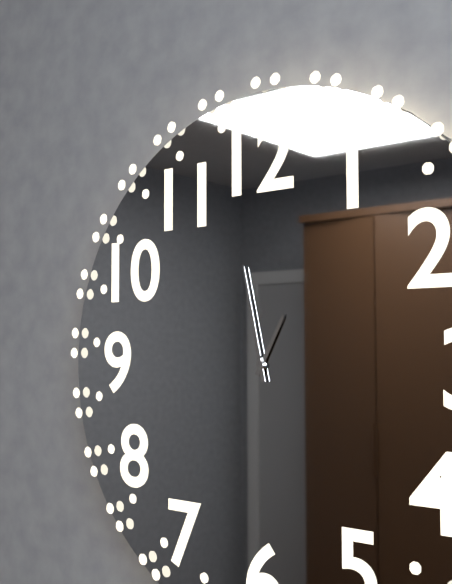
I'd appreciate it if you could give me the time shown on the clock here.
12:58
